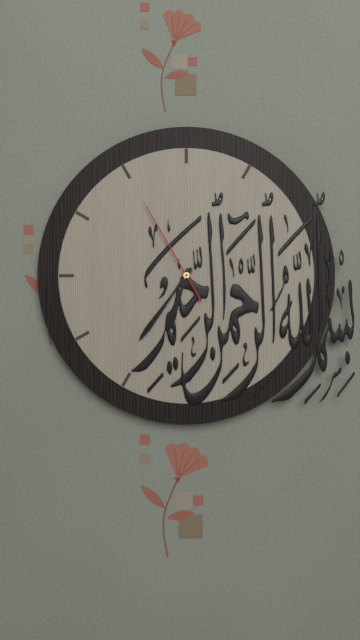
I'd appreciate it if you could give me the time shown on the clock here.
6:36:55
